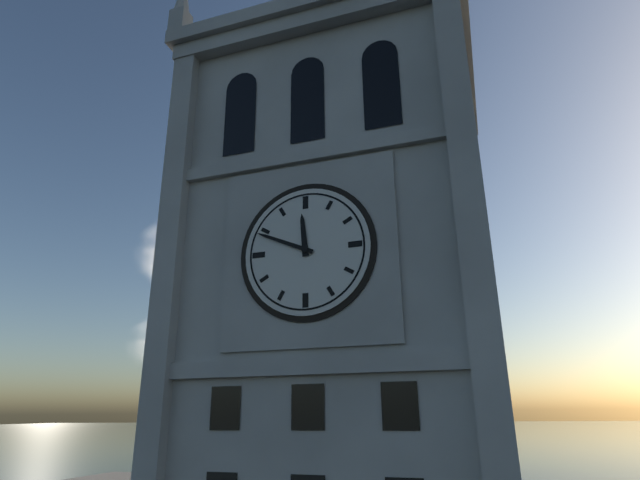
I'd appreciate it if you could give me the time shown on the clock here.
11:49
